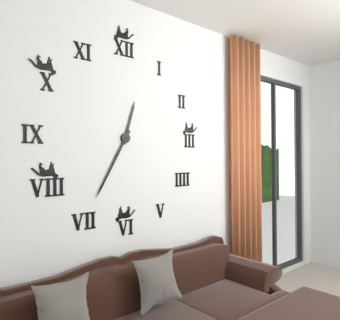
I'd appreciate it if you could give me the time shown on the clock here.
12:35
